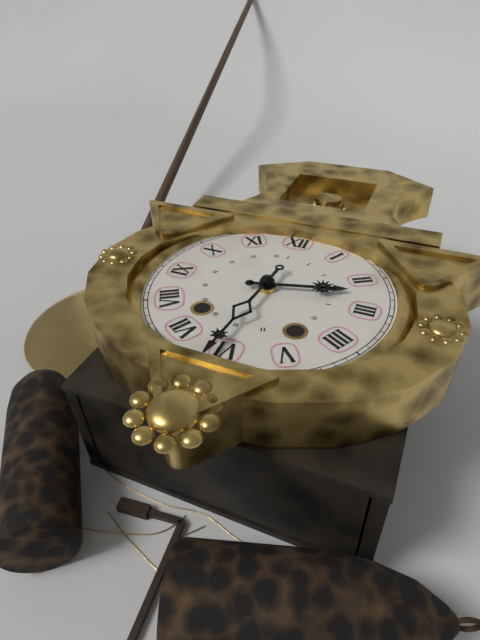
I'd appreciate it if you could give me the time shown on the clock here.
2:31
